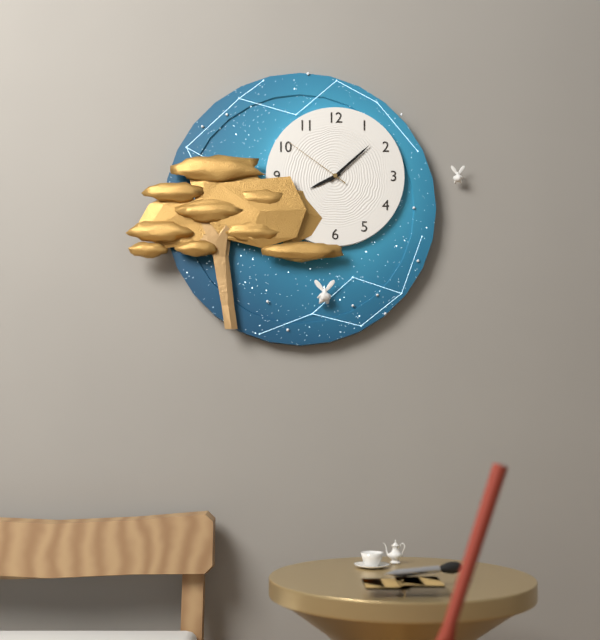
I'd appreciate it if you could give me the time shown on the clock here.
8:08:51
